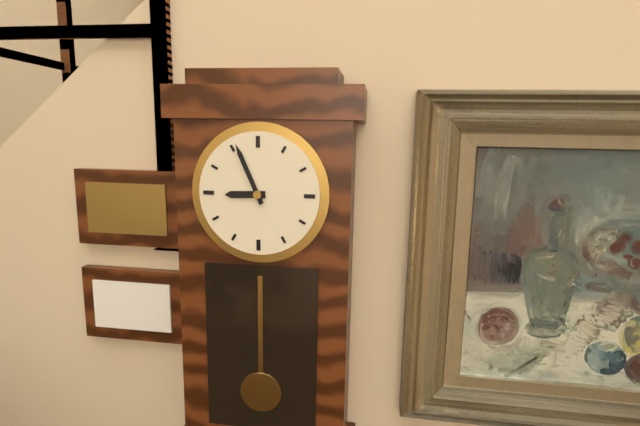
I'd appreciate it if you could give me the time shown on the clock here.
8:56
